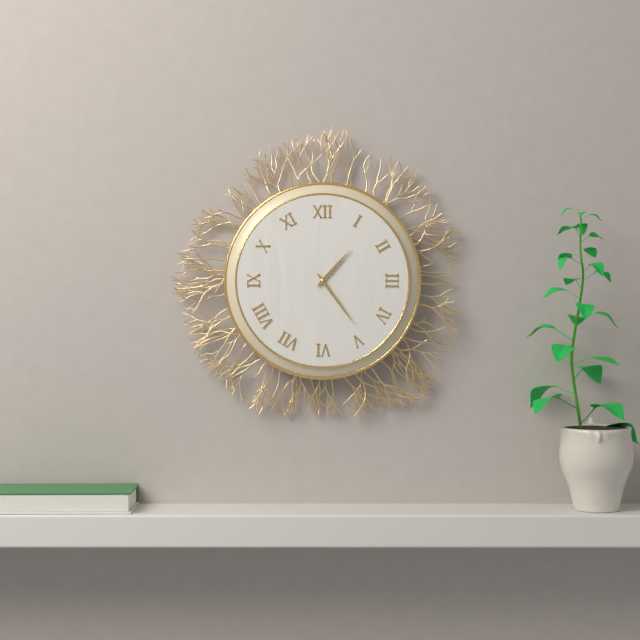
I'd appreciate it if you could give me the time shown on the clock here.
1:24
